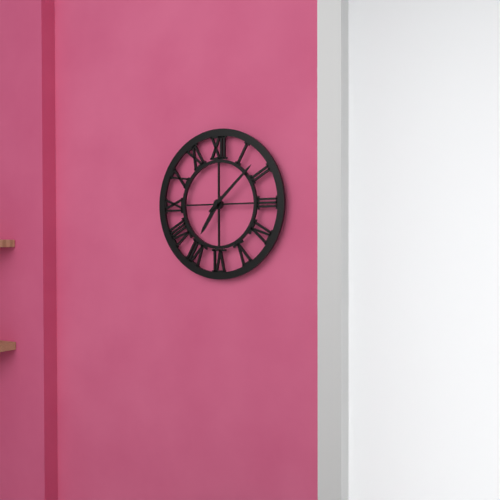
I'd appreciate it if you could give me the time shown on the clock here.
7:08
